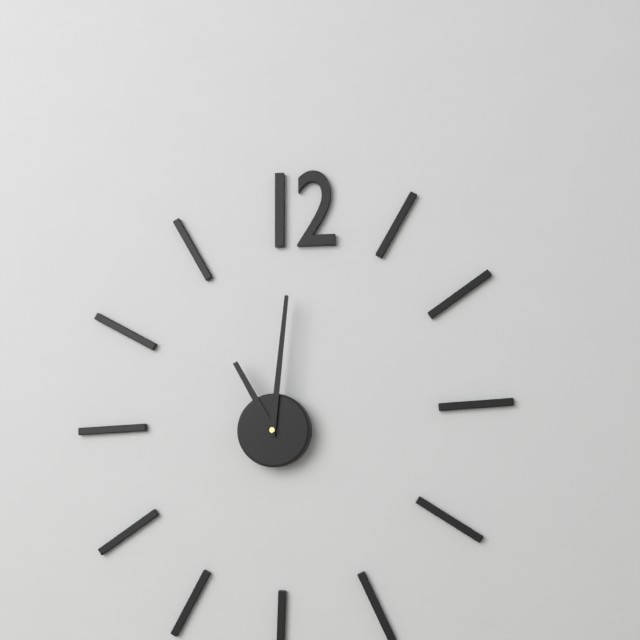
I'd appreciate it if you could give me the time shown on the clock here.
11:01
